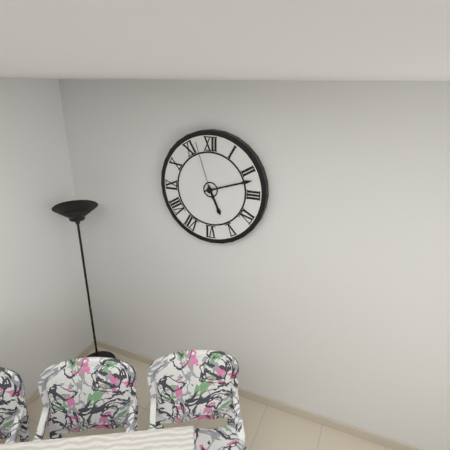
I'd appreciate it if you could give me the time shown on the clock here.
5:12:57
